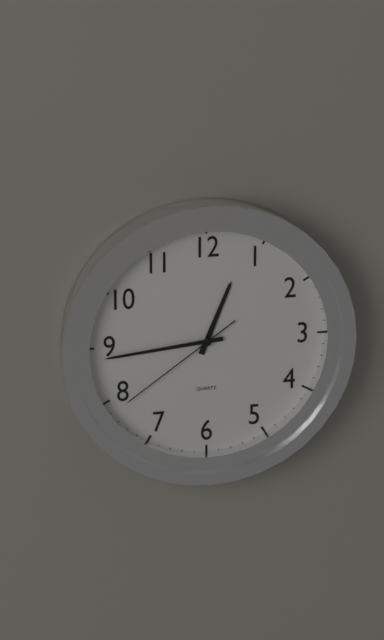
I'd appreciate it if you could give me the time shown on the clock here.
12:44:39
